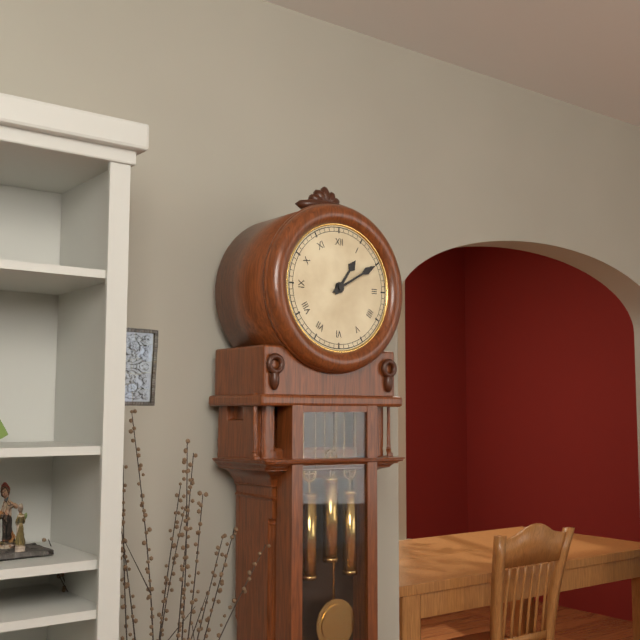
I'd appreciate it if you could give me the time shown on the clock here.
1:10
